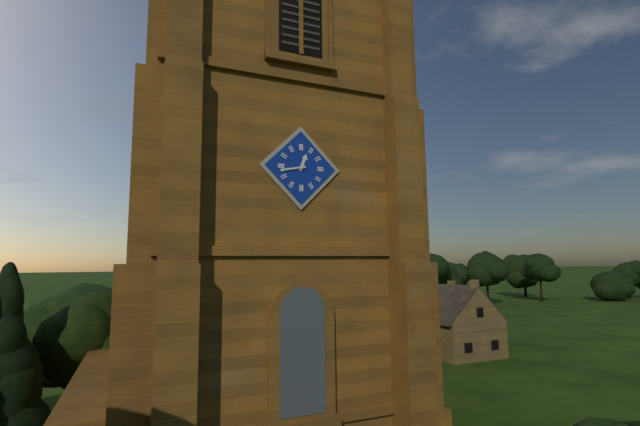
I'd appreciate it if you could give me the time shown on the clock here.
12:43
